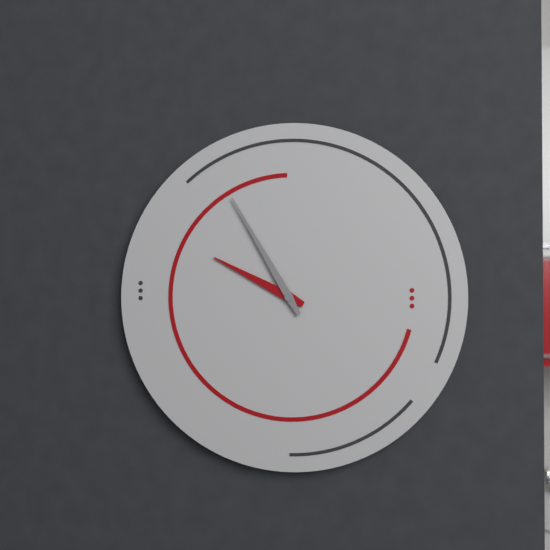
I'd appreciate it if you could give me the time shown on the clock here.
9:55
